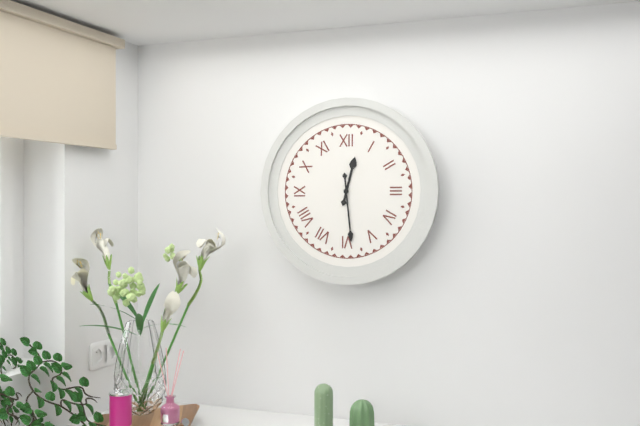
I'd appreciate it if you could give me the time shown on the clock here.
12:29
